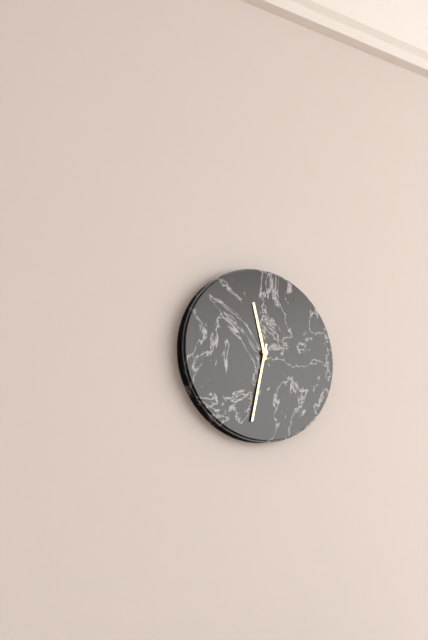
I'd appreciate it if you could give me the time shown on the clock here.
11:32
